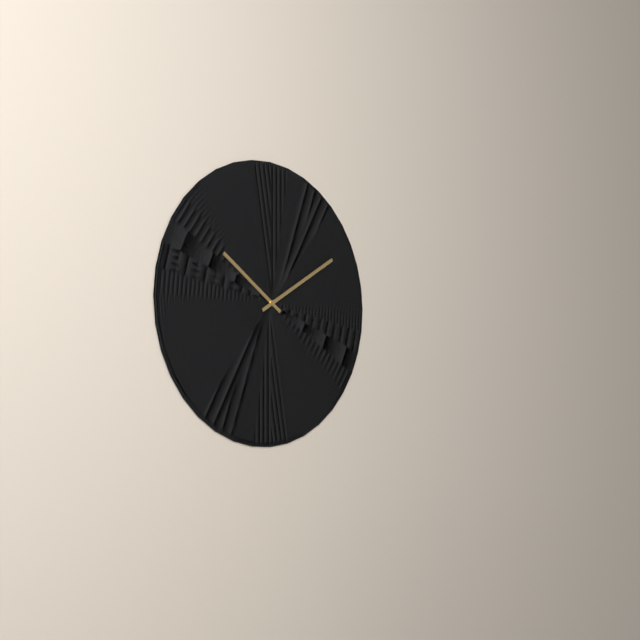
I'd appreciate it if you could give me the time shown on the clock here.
10:10
